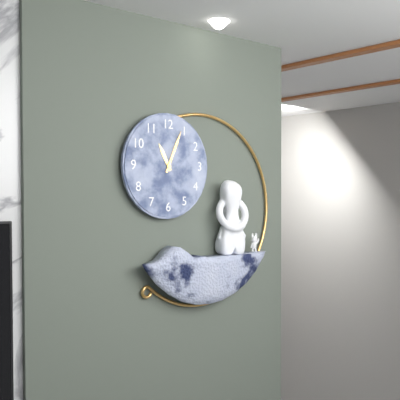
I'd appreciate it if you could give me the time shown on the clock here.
11:04
